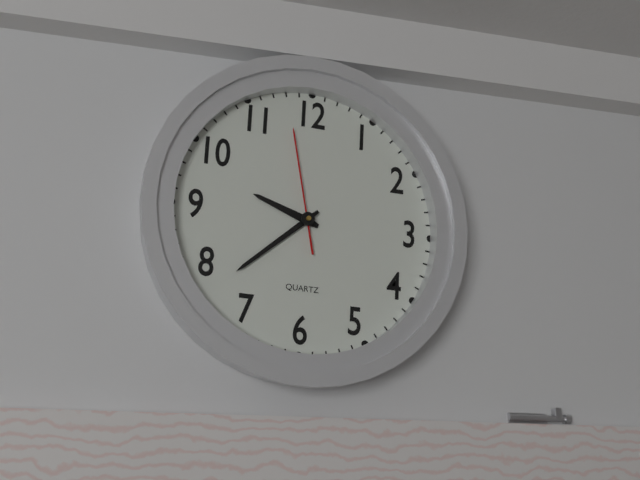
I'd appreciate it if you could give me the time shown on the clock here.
9:38:58
